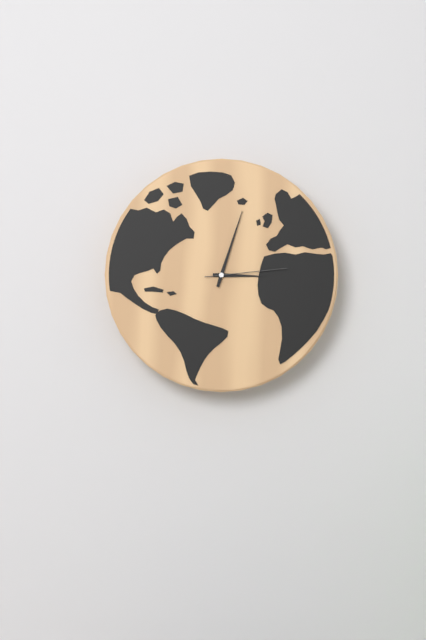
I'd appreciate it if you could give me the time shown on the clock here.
3:03:14
